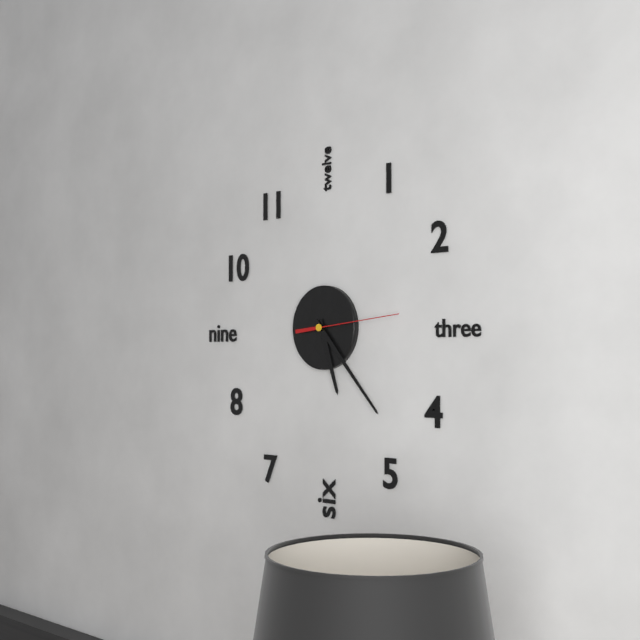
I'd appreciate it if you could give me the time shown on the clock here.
5:23:14
